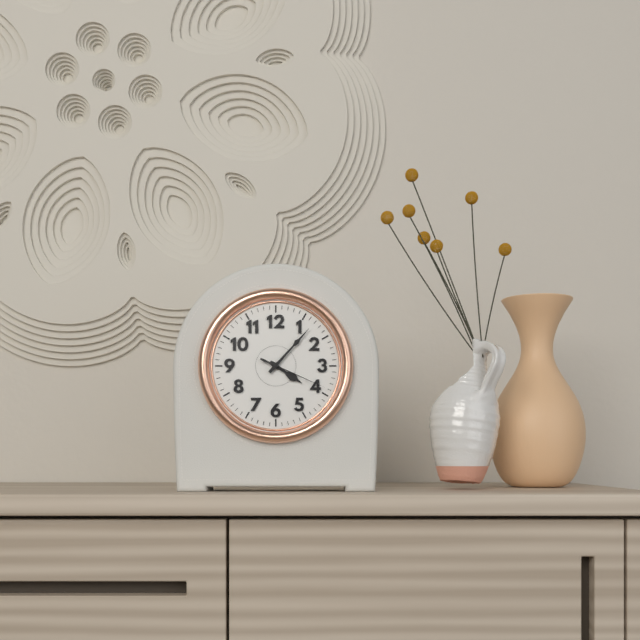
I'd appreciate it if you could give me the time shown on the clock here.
4:07:19
